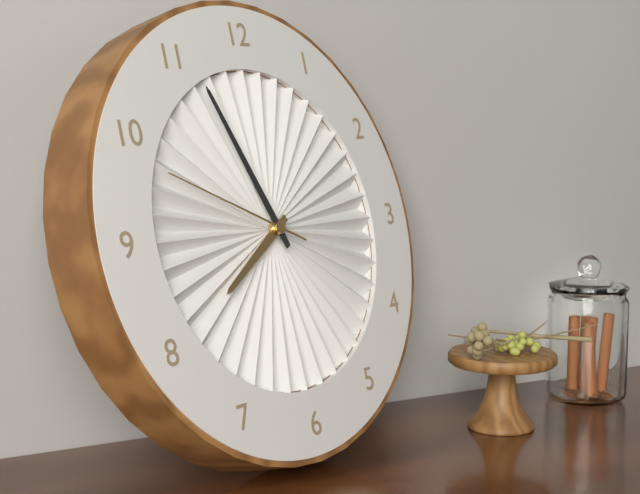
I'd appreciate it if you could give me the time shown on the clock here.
7:56:49
